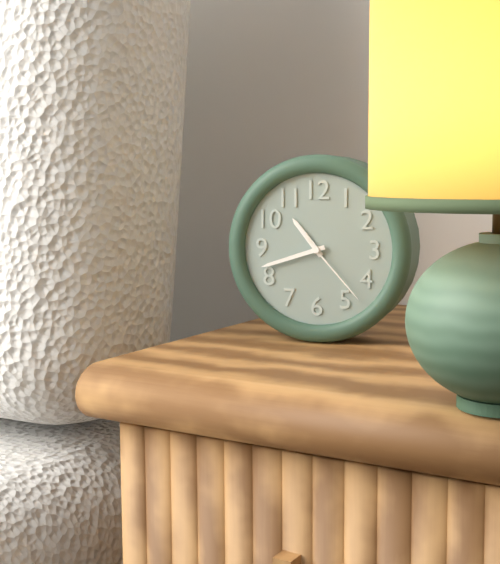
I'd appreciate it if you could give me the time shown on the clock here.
10:42:23
